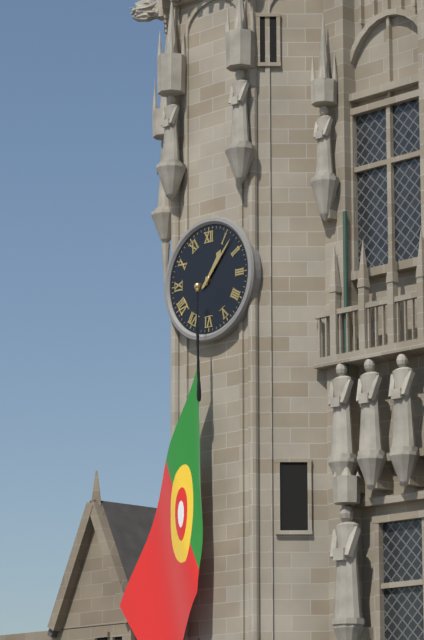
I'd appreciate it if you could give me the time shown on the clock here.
1:07
